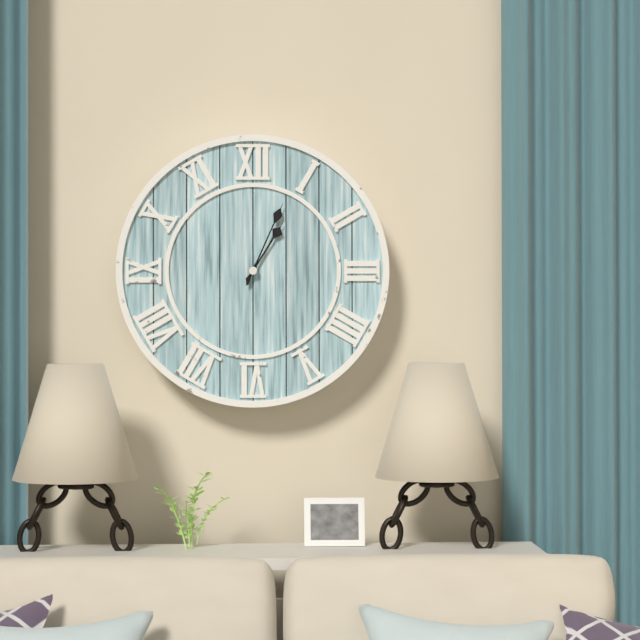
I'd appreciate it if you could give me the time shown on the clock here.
1:04
